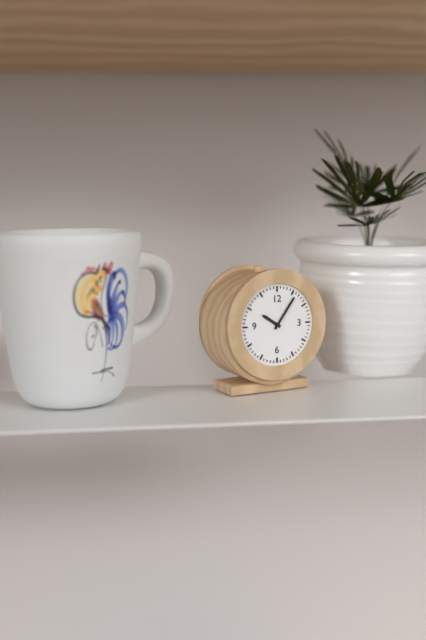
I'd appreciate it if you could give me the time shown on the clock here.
10:06
